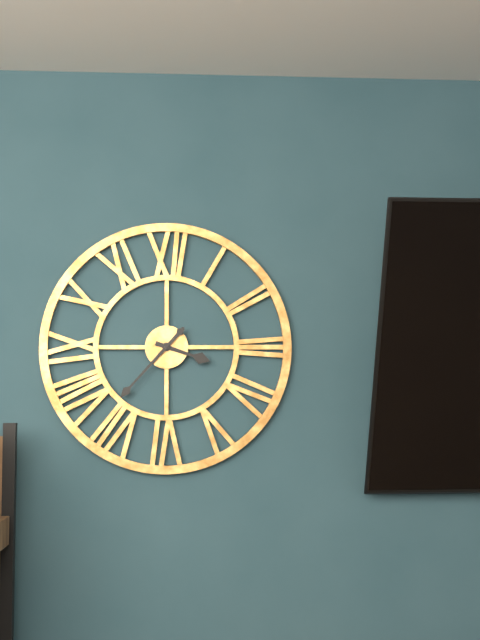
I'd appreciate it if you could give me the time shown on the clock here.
3:37
